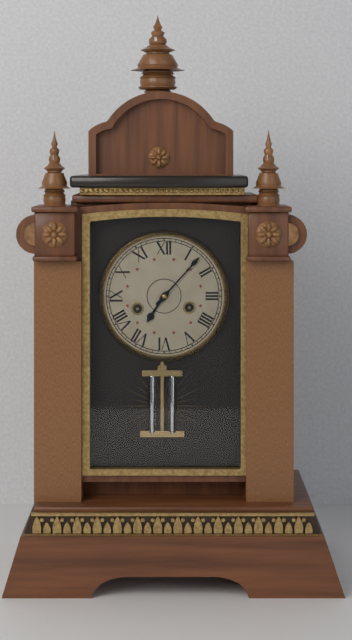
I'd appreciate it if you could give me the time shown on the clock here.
7:07
